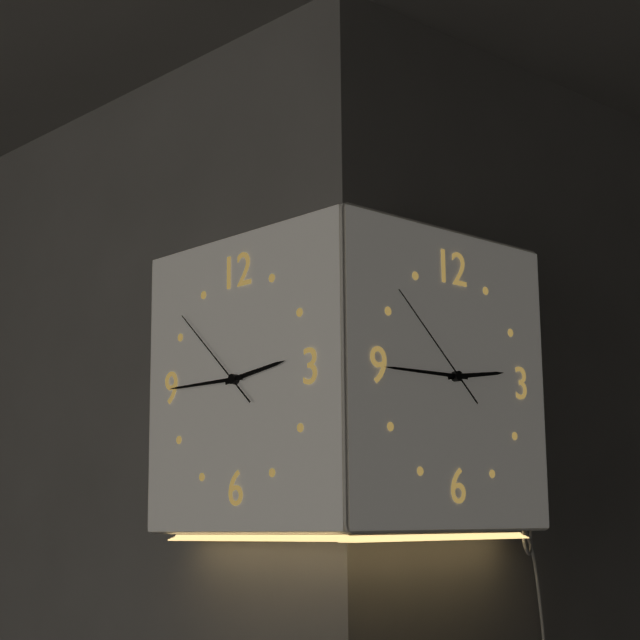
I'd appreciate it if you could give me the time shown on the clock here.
2:45:52
